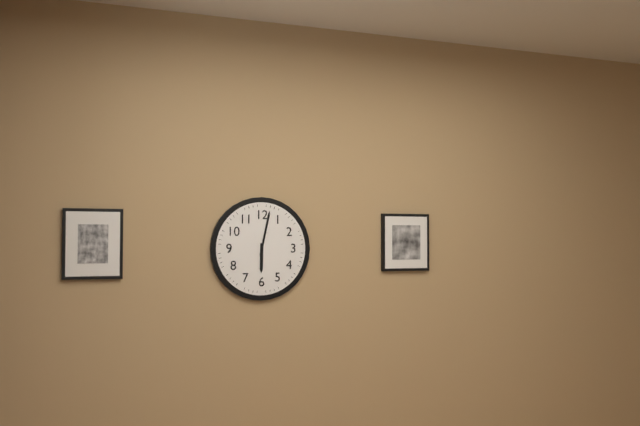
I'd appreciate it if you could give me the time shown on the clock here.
6:02
